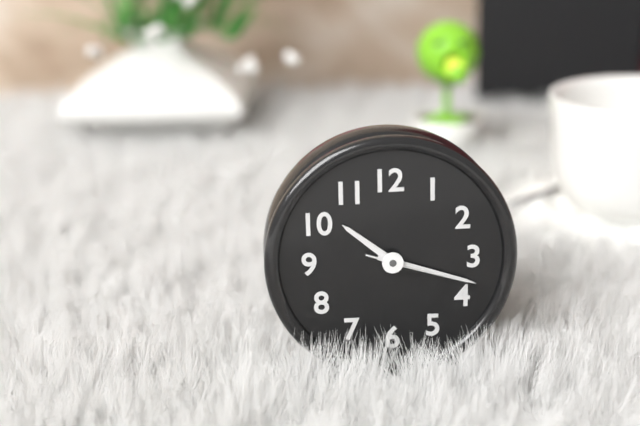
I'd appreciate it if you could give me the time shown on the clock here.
10:18:18
